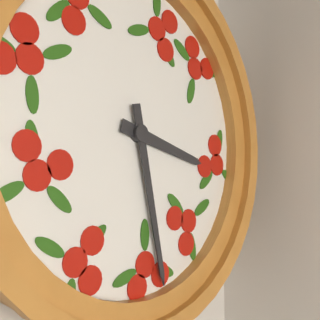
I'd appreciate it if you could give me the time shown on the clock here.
3:28
